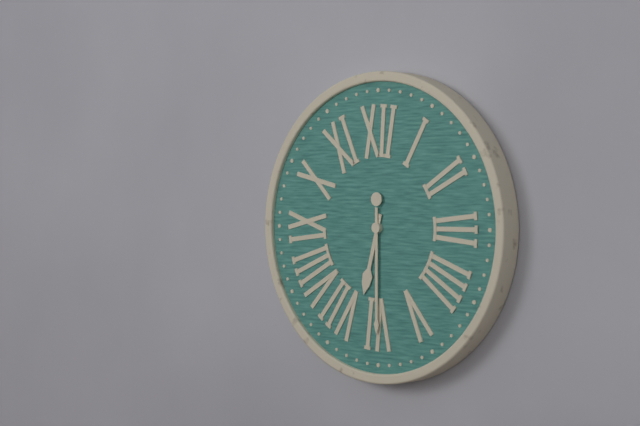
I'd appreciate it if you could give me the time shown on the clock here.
6:30
